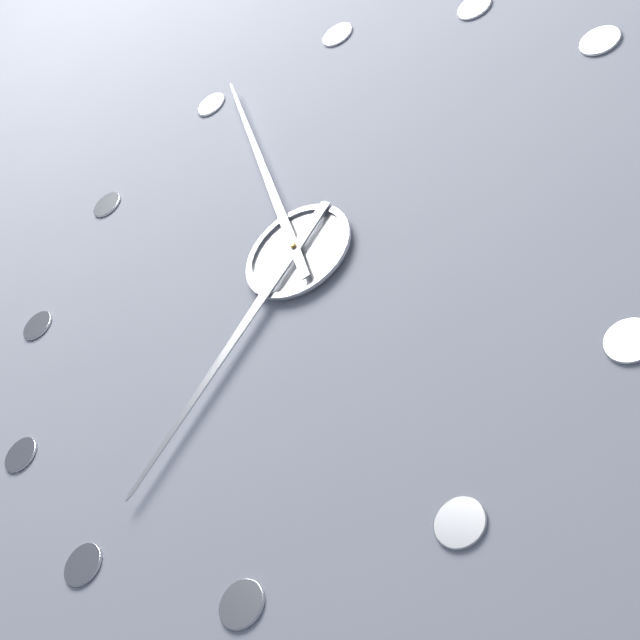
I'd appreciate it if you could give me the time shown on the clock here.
6:56
